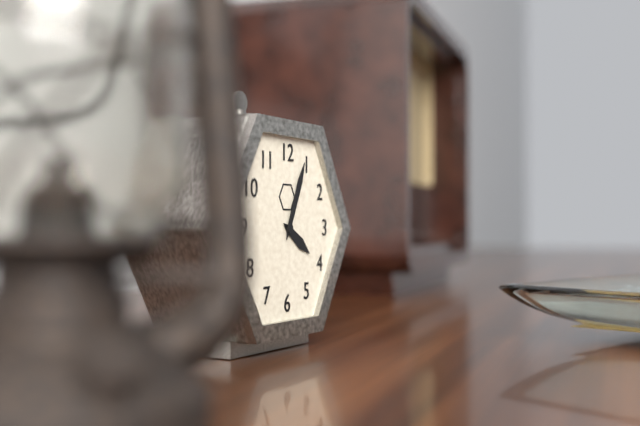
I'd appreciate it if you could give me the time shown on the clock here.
4:04
